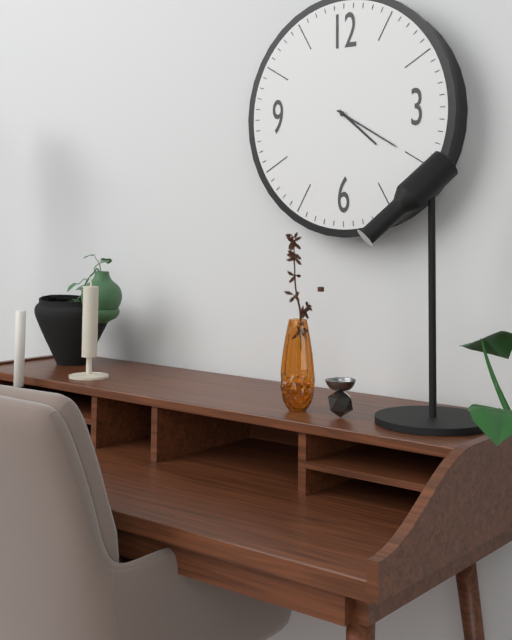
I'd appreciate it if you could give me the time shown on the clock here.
4:20
